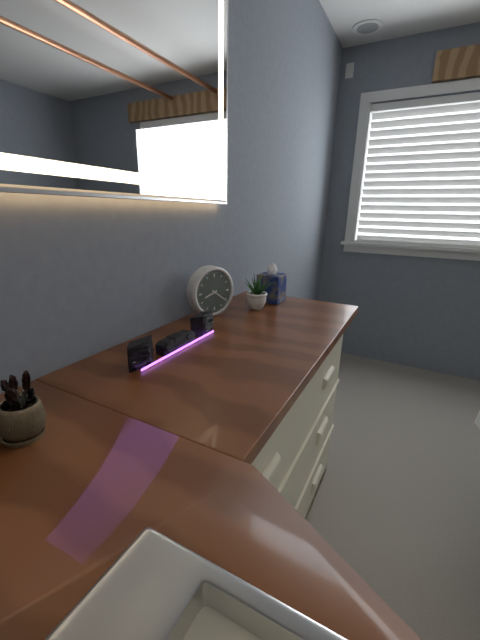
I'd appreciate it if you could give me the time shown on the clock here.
8:21
